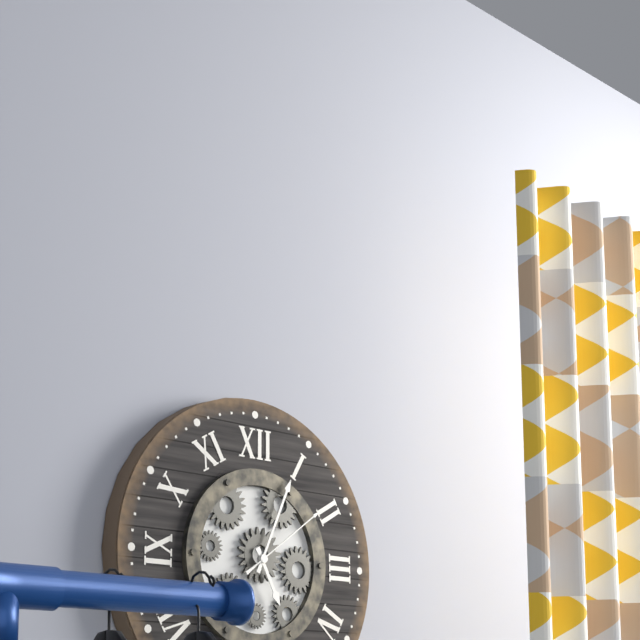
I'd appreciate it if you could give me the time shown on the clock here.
5:04:09
